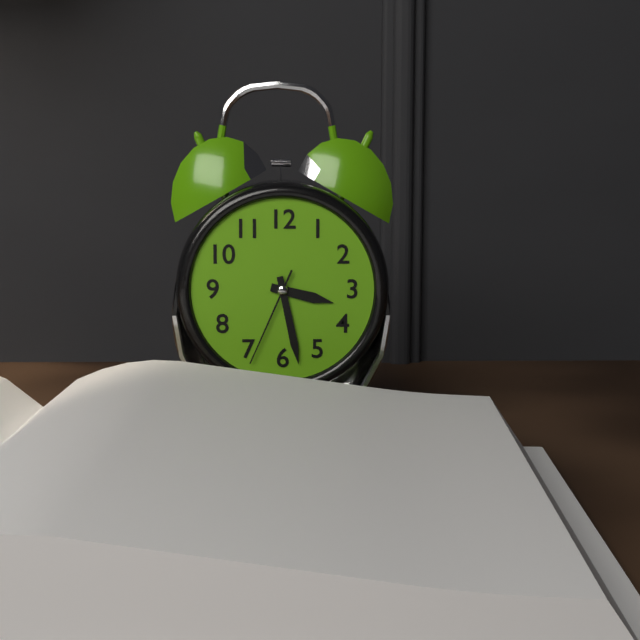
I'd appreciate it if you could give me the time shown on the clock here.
3:28:34
